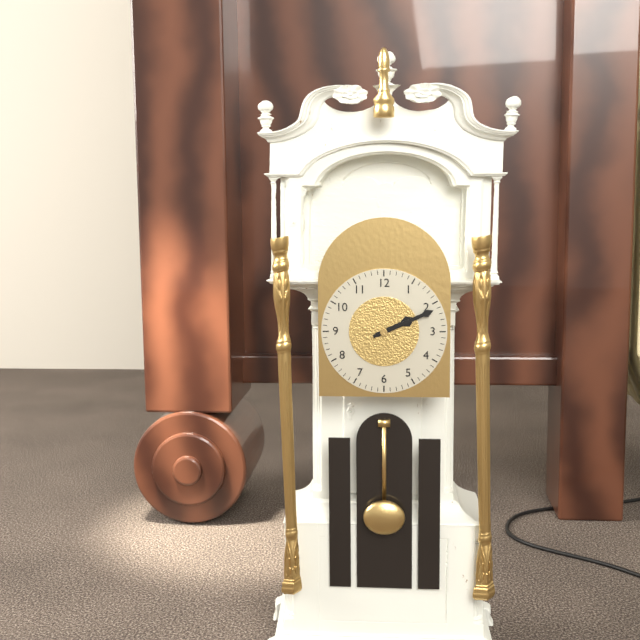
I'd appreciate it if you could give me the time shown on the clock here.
2:11
